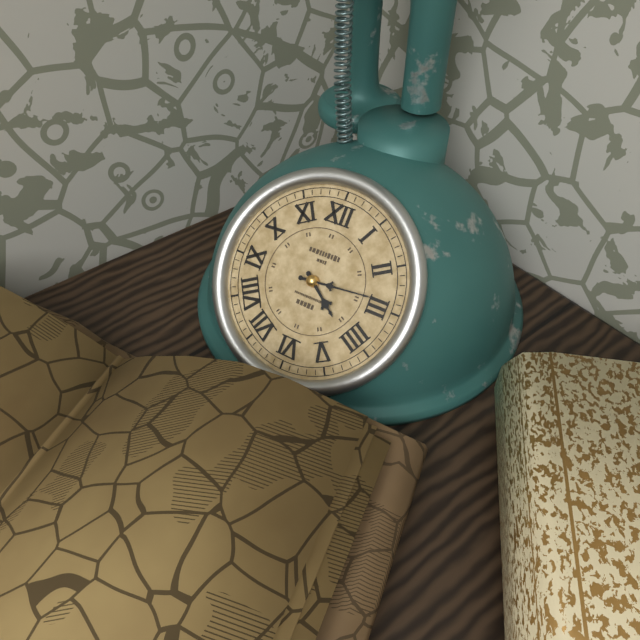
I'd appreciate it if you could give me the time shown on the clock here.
4:14
